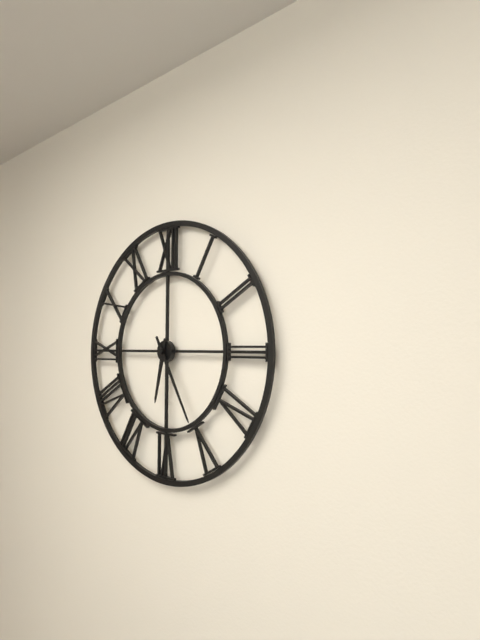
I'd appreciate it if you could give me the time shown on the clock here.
6:25
